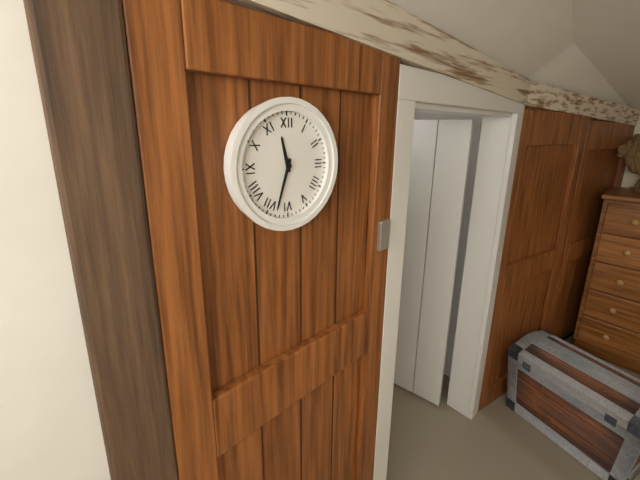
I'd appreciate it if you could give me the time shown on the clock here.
11:33
